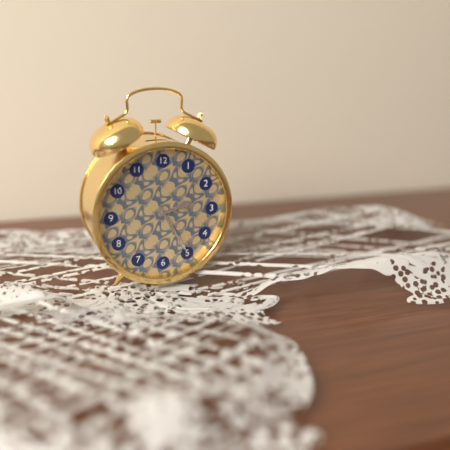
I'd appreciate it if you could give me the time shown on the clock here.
2:25
